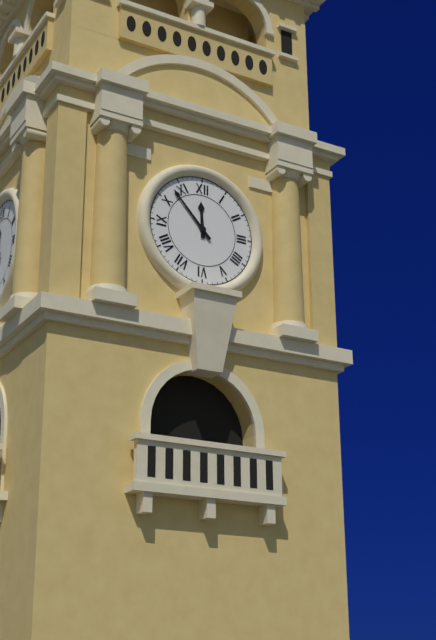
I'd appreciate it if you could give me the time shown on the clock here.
11:53
